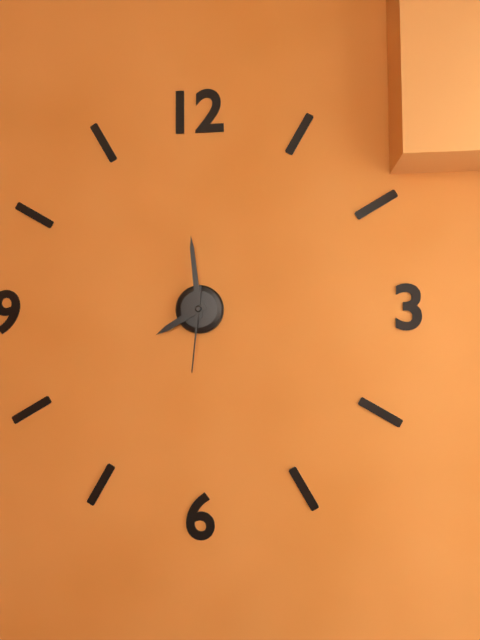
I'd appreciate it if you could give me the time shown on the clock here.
7:59:31
